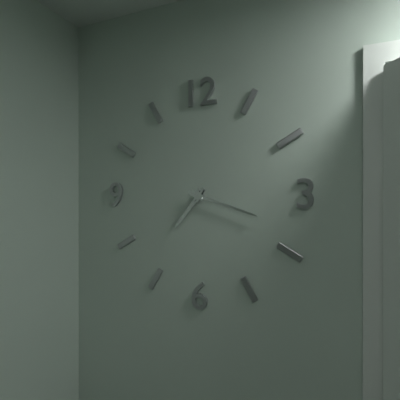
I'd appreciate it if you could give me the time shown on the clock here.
7:18
